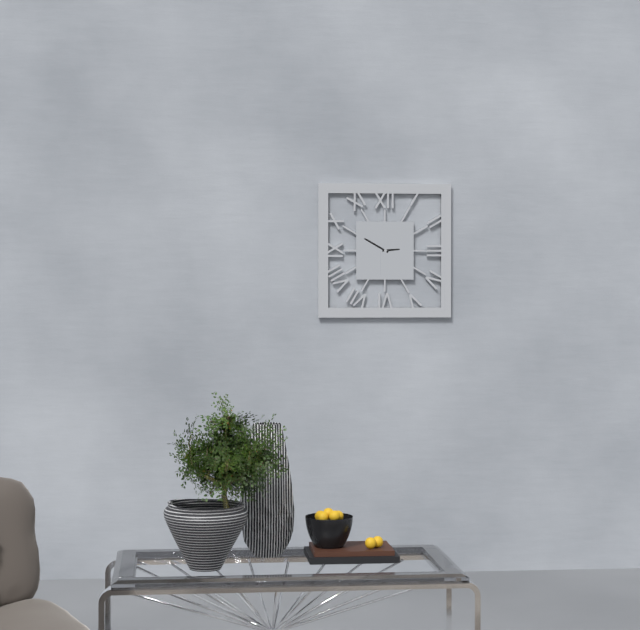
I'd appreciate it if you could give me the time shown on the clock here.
2:50
